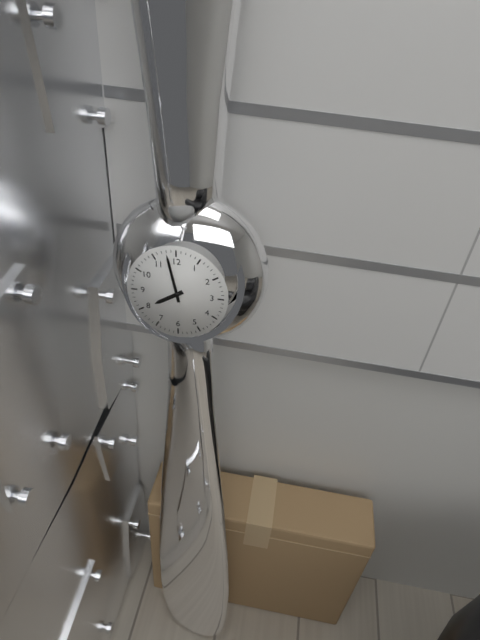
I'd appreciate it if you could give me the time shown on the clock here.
7:58
